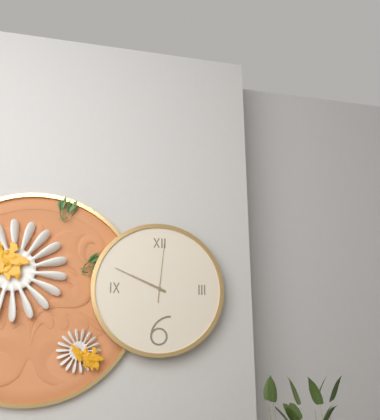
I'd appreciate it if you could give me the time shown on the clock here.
9:49:01
